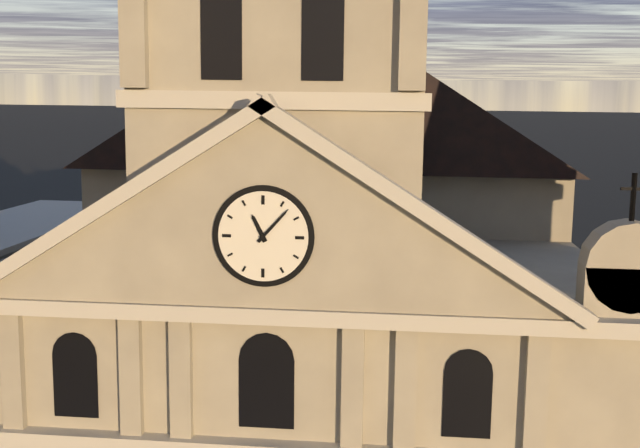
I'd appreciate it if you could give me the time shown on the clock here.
11:07
